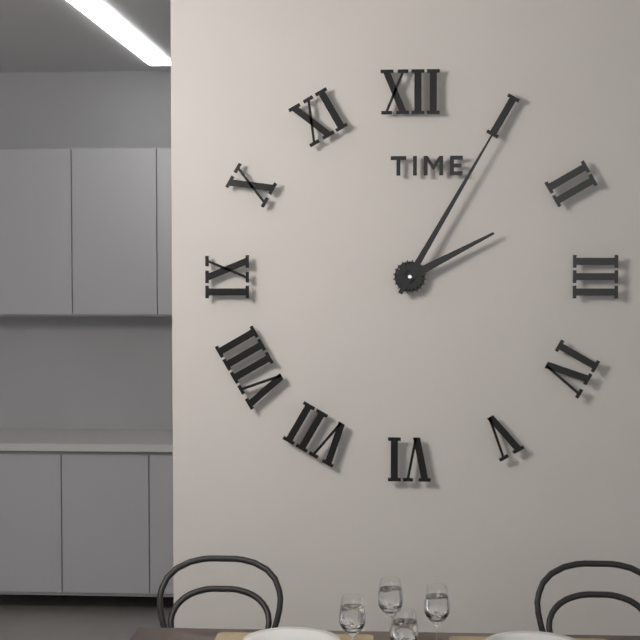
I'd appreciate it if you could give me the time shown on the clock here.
2:05
